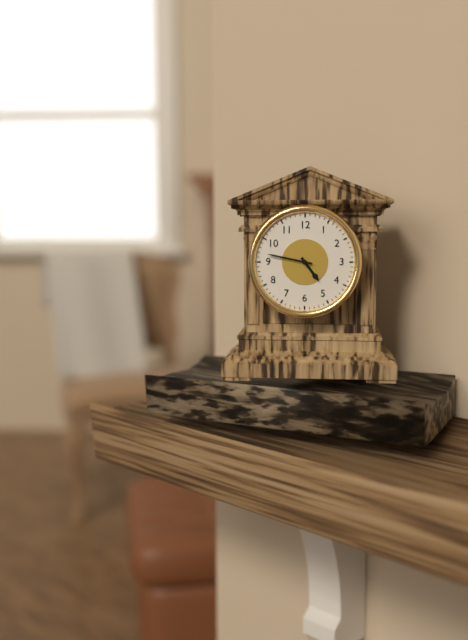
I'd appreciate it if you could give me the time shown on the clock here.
4:47
